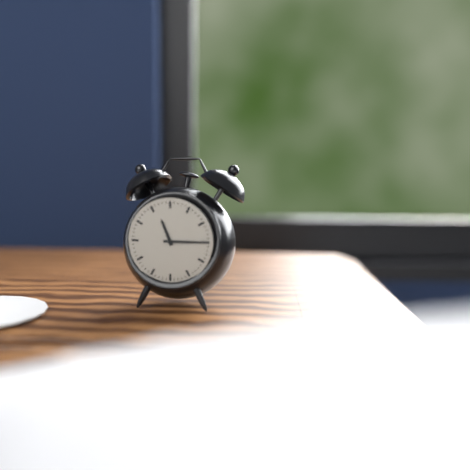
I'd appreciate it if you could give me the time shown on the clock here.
11:15
